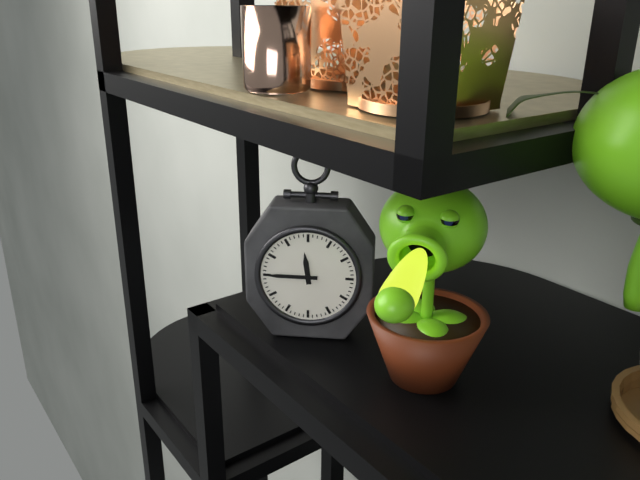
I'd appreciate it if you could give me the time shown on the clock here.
11:45
